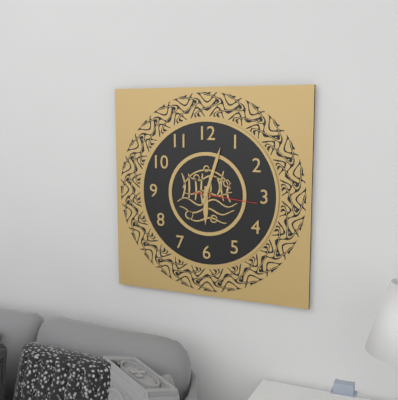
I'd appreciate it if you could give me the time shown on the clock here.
6:03:16
